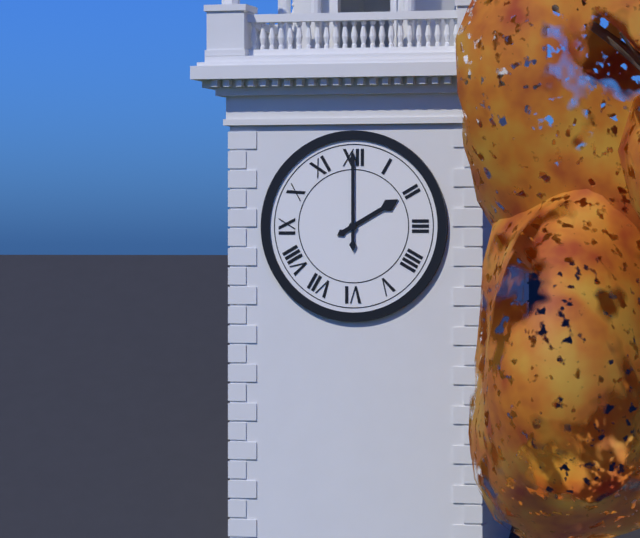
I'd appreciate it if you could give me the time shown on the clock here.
2:00
